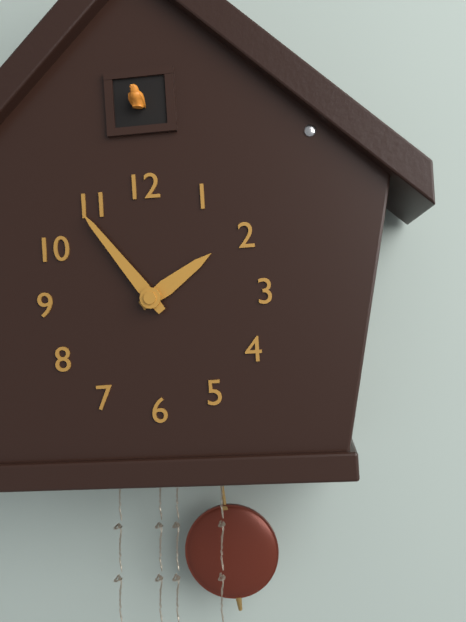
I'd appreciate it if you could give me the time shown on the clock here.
1:54
